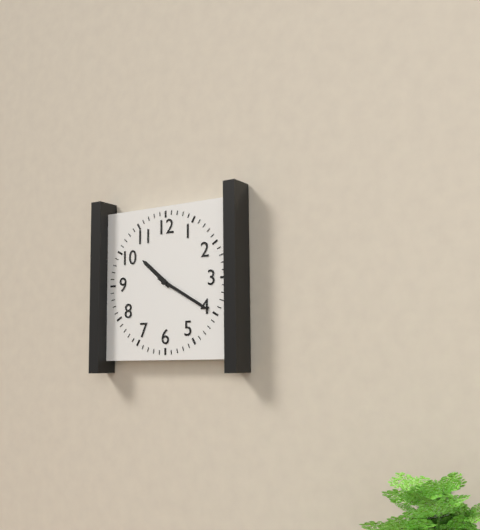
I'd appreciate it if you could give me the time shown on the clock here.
10:20
